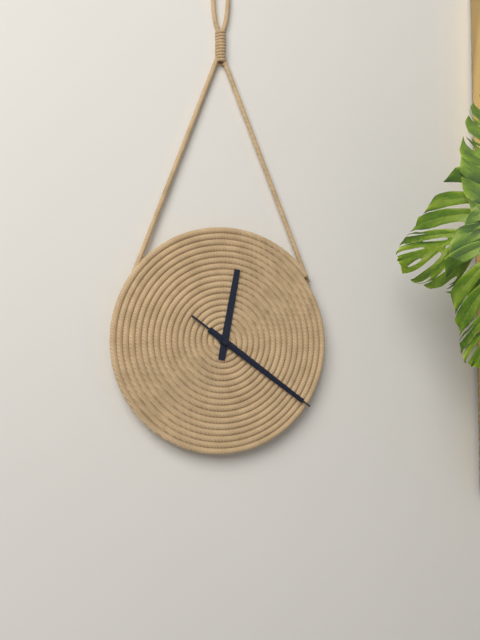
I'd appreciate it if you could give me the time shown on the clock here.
12:21:21
